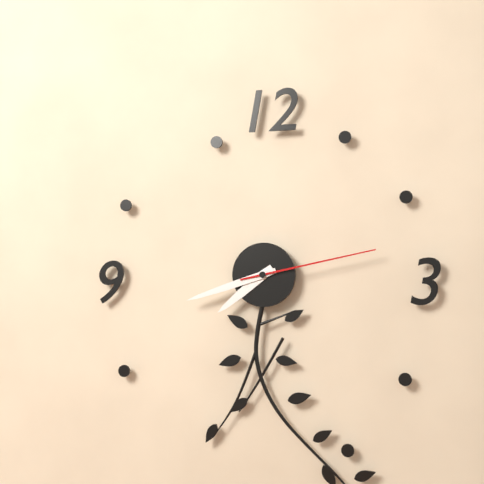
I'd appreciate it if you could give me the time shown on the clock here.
7:42:13
